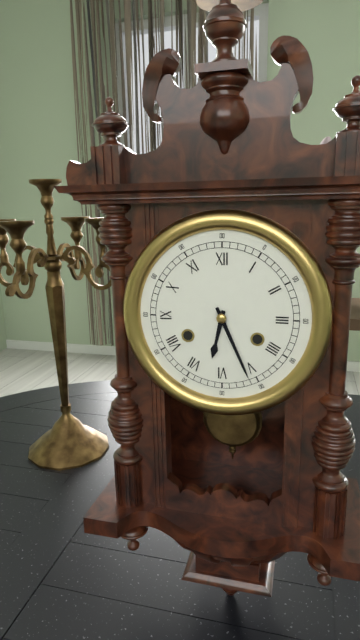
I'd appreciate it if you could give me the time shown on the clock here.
6:26
